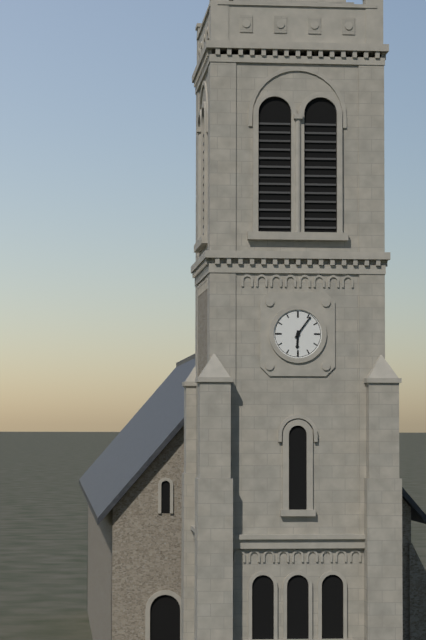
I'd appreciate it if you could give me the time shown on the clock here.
6:06
